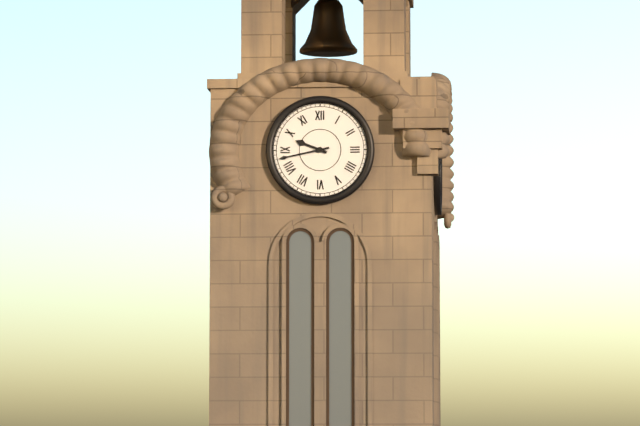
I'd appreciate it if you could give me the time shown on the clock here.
9:43
